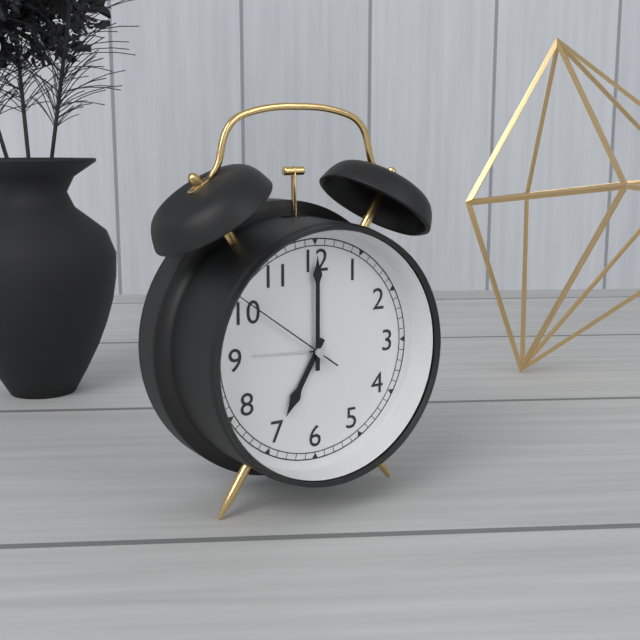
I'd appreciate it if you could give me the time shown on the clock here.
7:00:51
